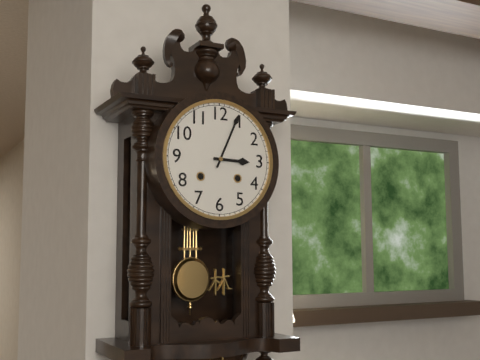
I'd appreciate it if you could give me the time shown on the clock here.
3:04
